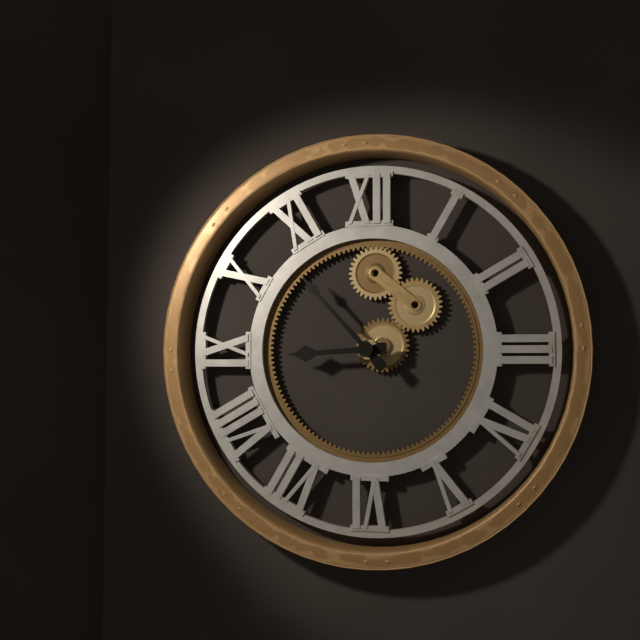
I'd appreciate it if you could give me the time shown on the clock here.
8:53
